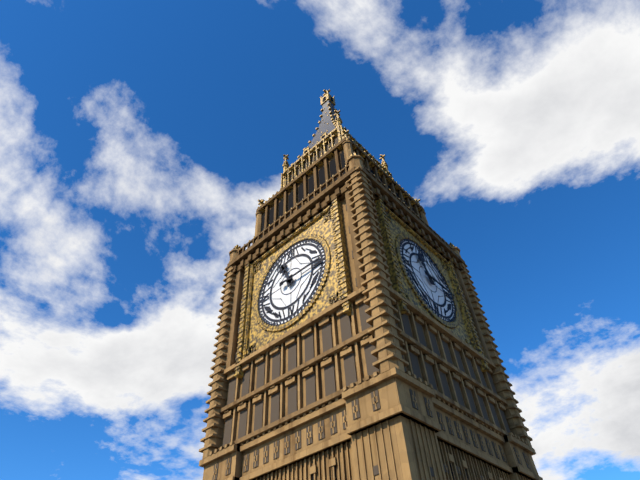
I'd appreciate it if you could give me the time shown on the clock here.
11:15
